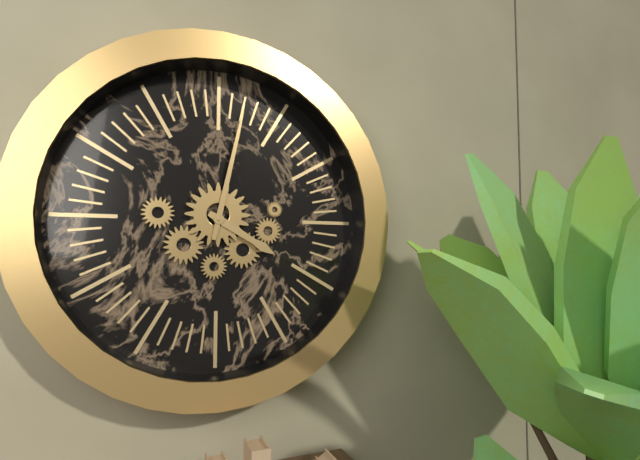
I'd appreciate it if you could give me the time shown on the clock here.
4:02
